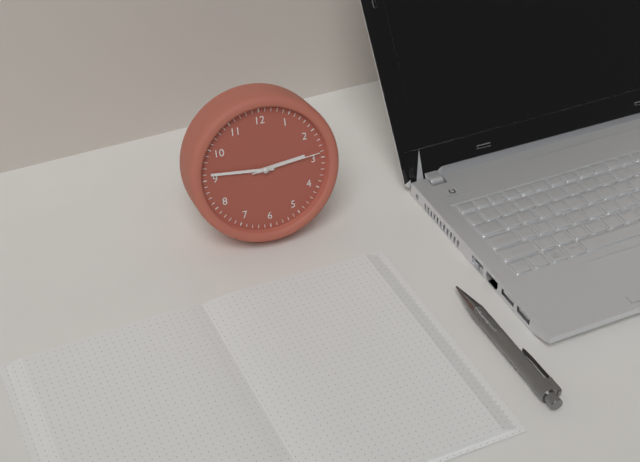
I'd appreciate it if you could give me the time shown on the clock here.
2:46:14
